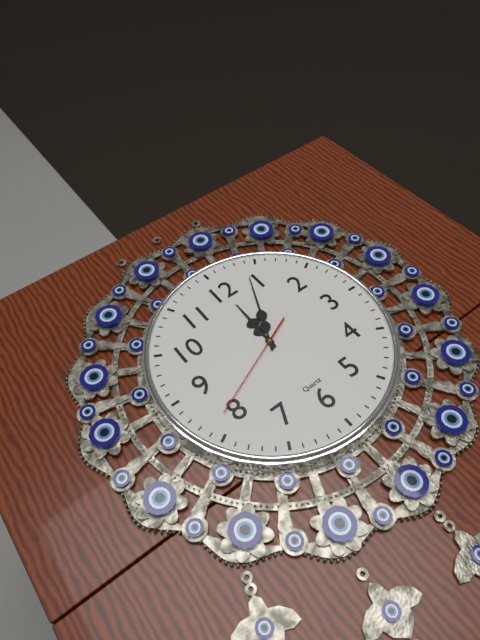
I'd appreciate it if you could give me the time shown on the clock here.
12:04:41
